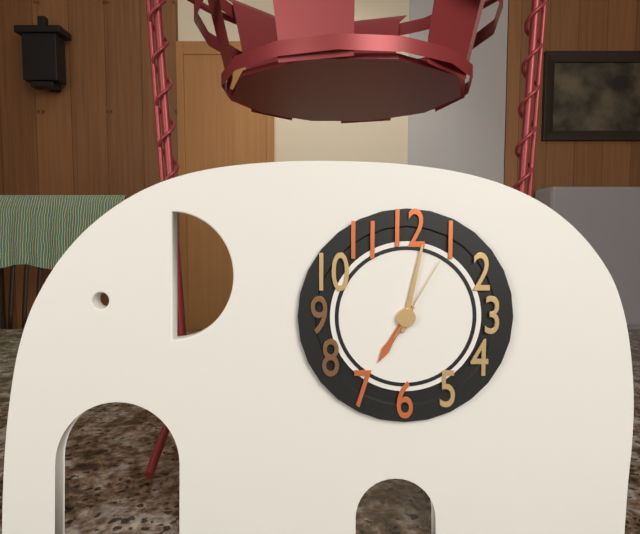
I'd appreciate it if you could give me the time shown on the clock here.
7:02:05
